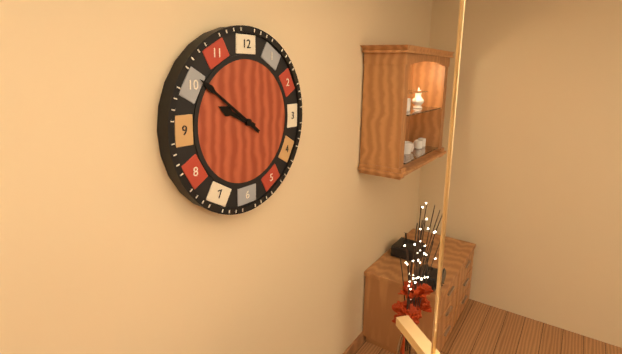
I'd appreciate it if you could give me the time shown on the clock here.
9:51
